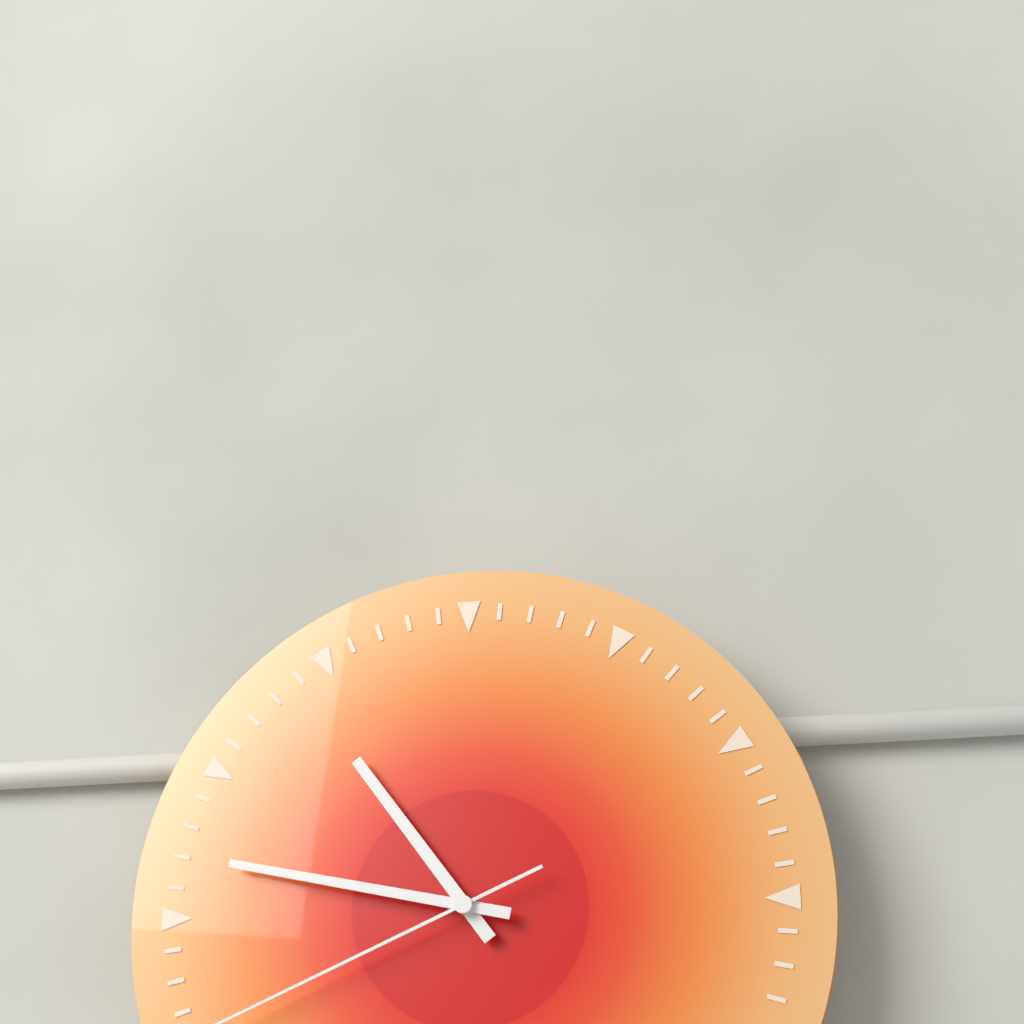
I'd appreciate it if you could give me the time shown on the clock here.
10:47
